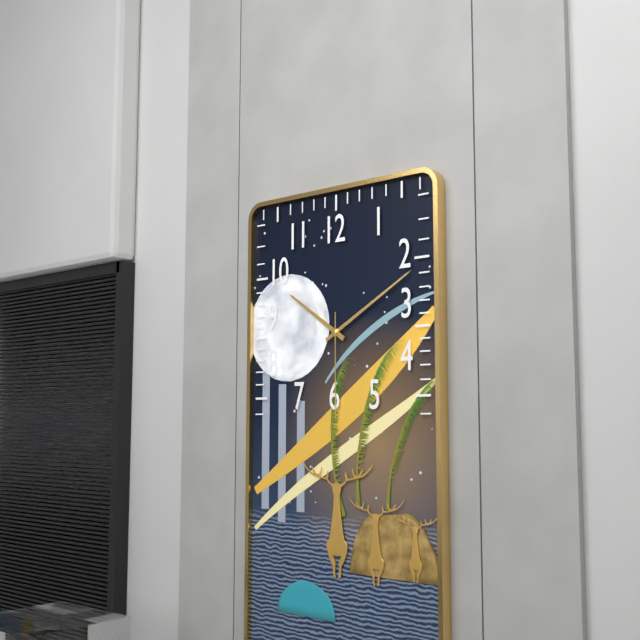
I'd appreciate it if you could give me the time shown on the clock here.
10:10:30
